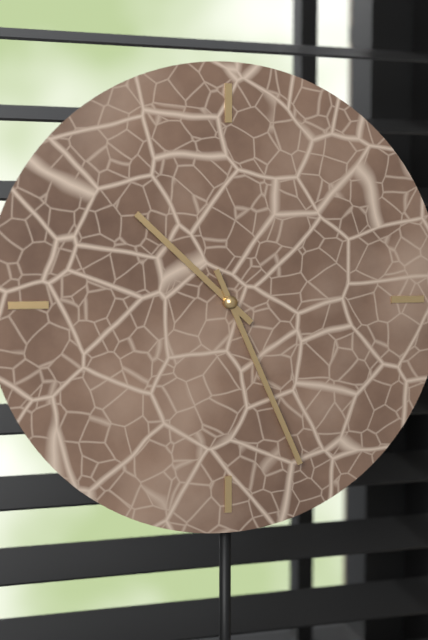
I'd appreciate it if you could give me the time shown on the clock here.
10:26
